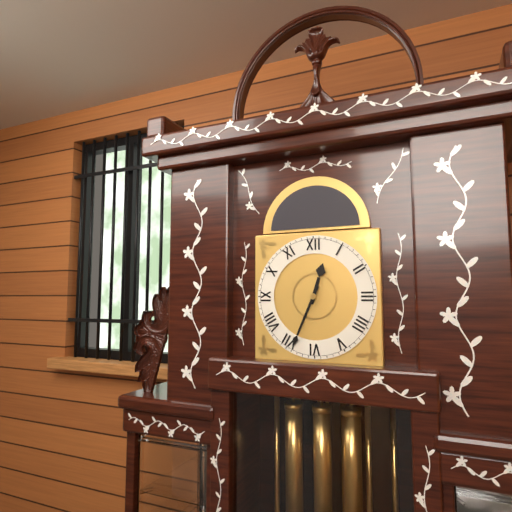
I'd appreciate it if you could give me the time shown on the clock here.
12:34
